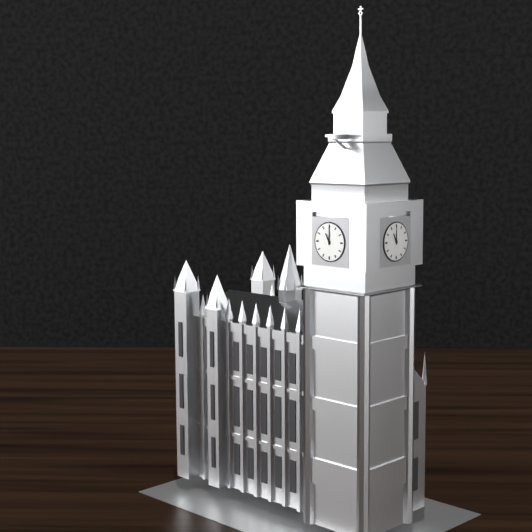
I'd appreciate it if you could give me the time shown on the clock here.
11:00
